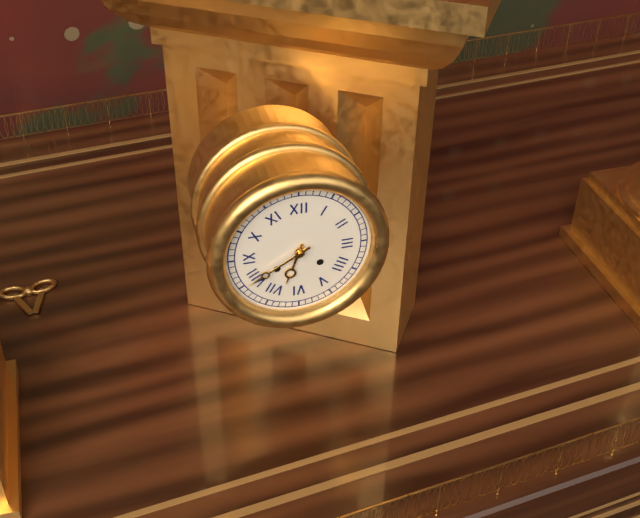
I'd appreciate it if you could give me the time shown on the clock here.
6:40
